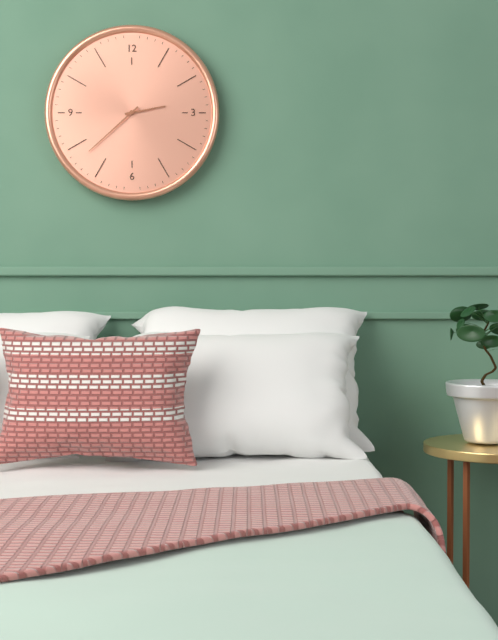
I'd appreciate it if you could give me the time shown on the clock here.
2:38
